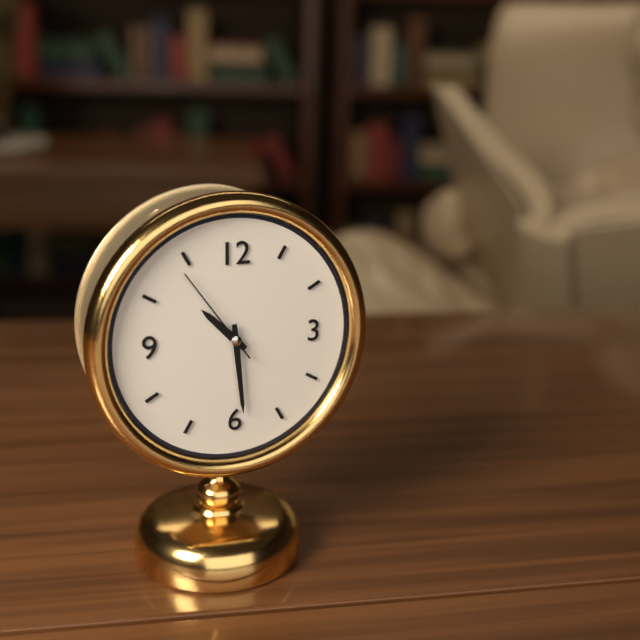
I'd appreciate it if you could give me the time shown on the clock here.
10:29:54
